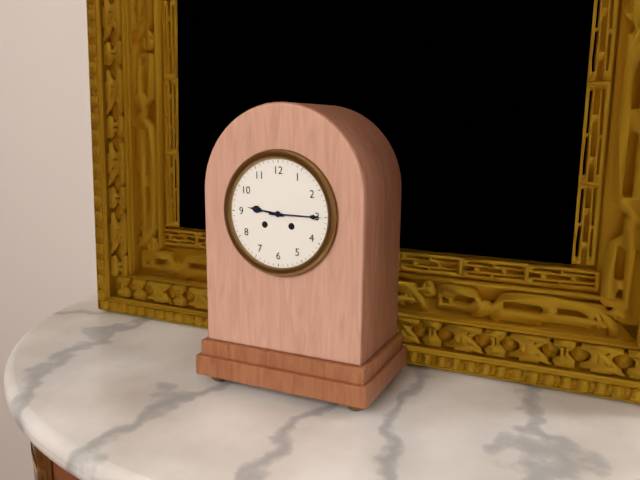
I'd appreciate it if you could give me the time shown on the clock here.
9:15
